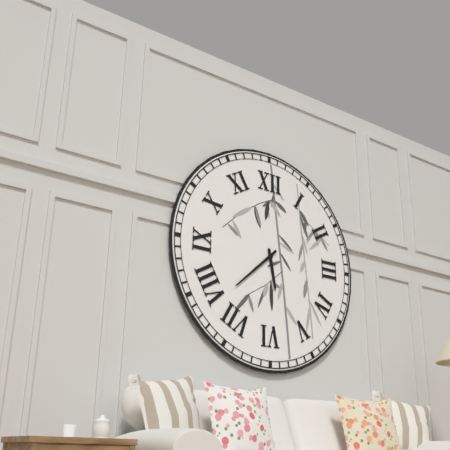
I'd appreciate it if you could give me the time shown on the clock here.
5:38
